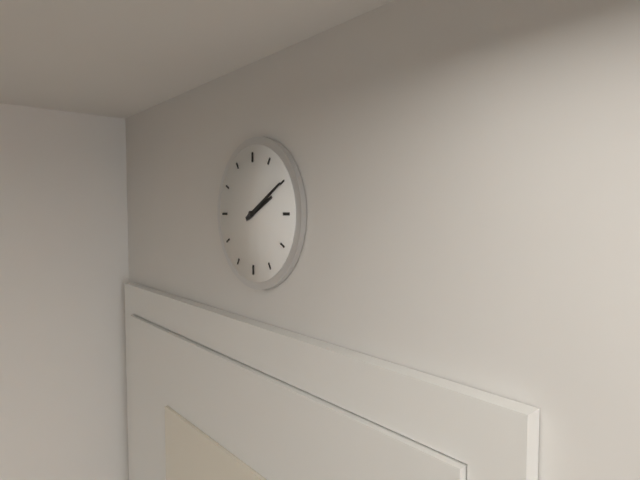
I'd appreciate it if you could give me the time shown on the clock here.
2:10
